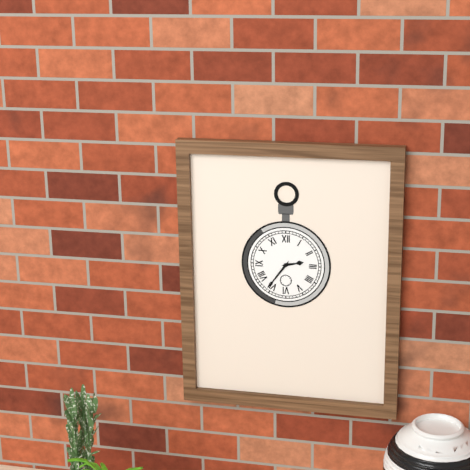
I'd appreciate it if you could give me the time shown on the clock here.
2:36
